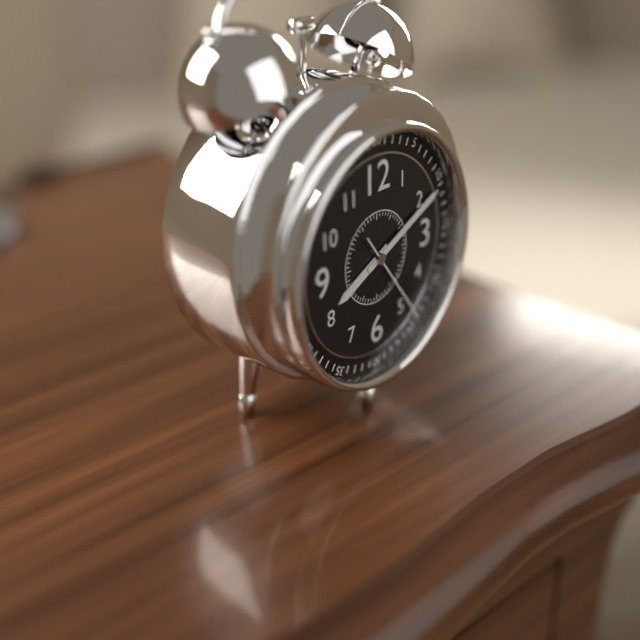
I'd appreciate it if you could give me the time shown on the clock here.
8:11:24
